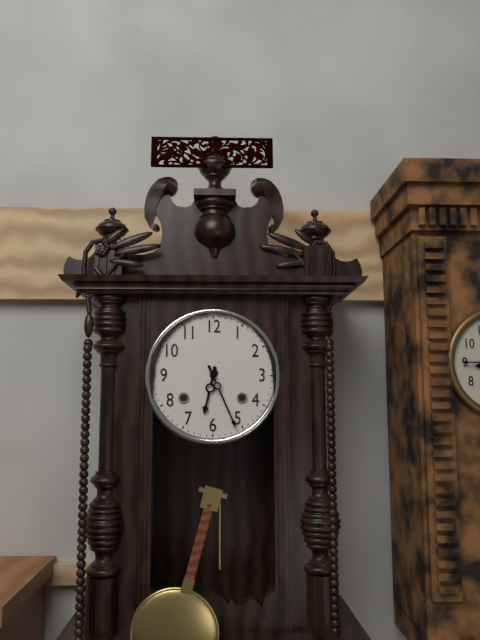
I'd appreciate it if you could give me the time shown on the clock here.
6:26
